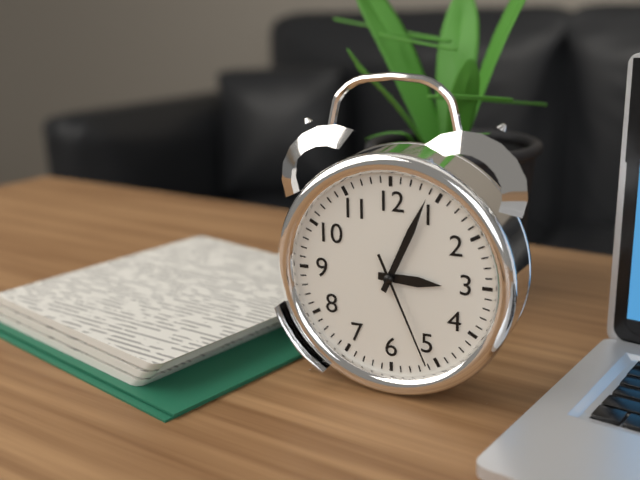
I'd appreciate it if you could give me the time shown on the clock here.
3:04:26
